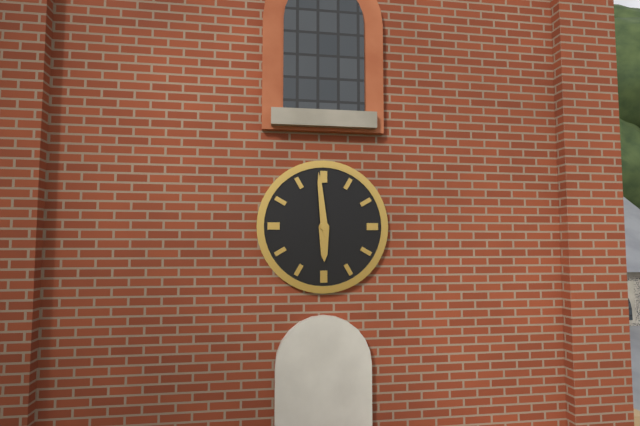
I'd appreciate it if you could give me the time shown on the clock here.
5:59
